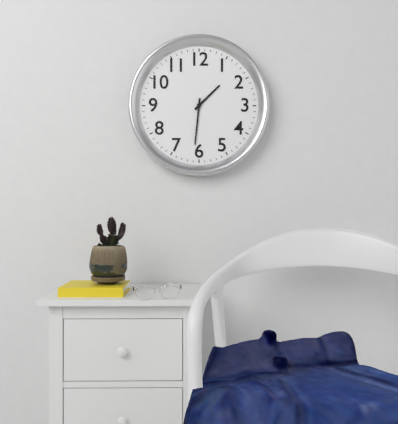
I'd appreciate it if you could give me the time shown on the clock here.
1:31
